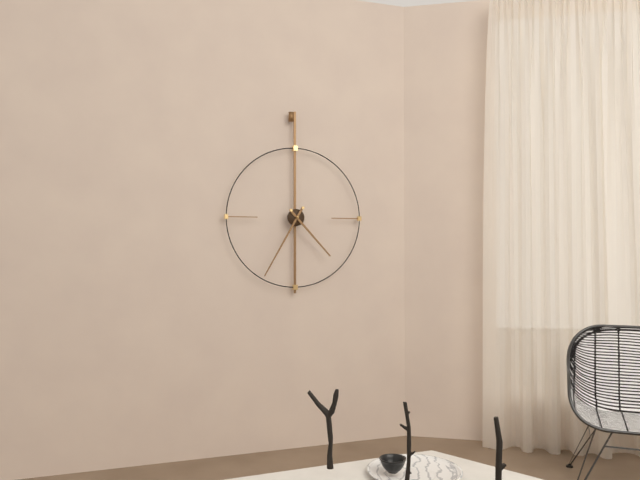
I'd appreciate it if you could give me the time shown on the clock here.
4:35
